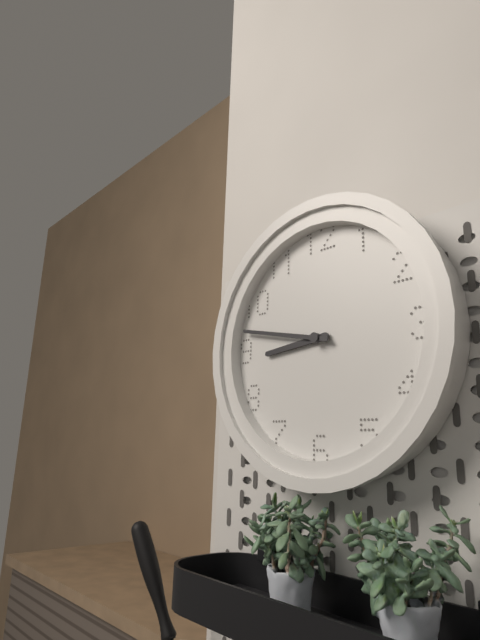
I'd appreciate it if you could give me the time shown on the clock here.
8:47
